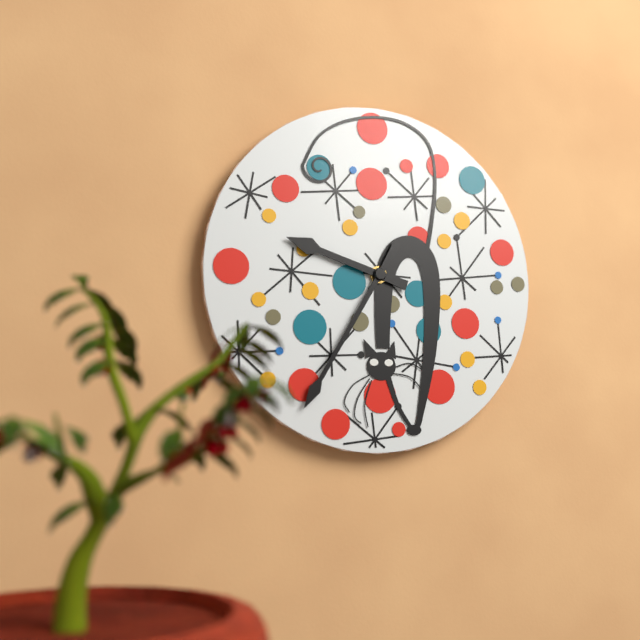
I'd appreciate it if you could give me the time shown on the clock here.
9:35
